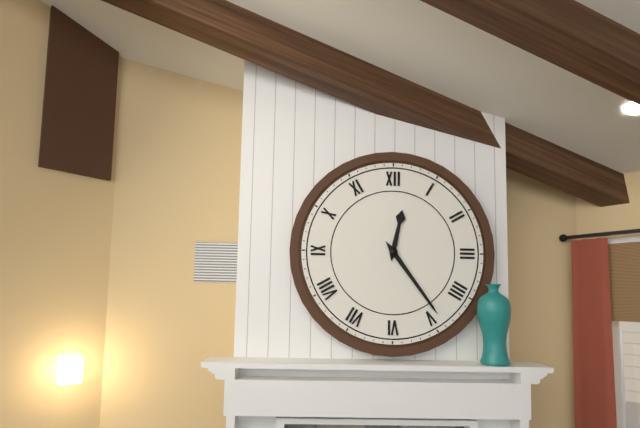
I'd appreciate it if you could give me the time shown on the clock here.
12:24
